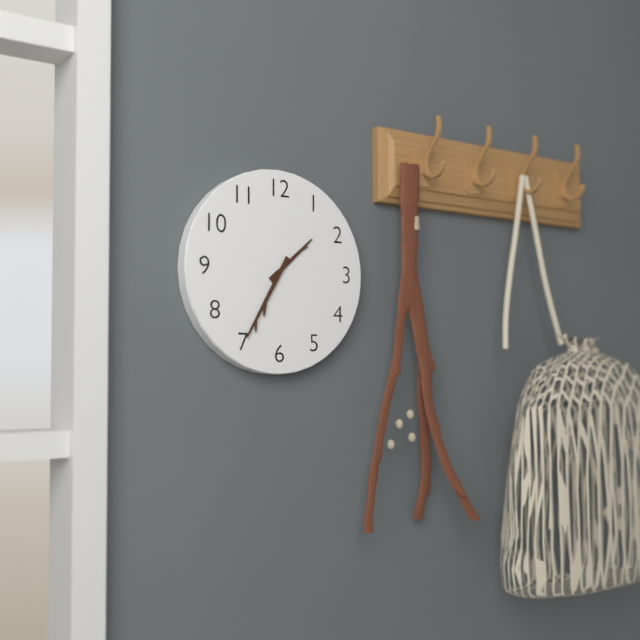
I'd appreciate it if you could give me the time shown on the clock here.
1:35
